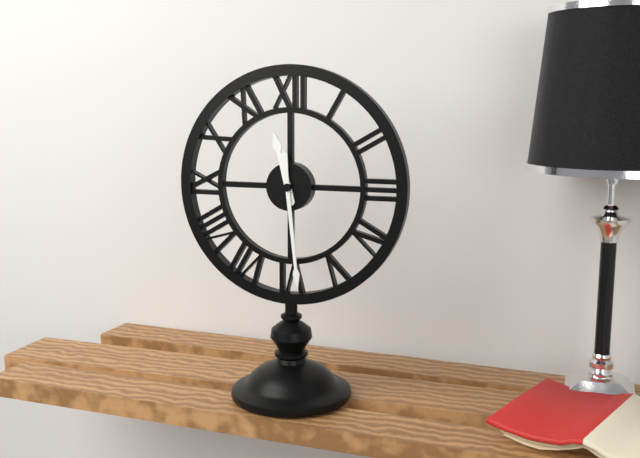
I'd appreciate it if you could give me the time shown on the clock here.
11:29
